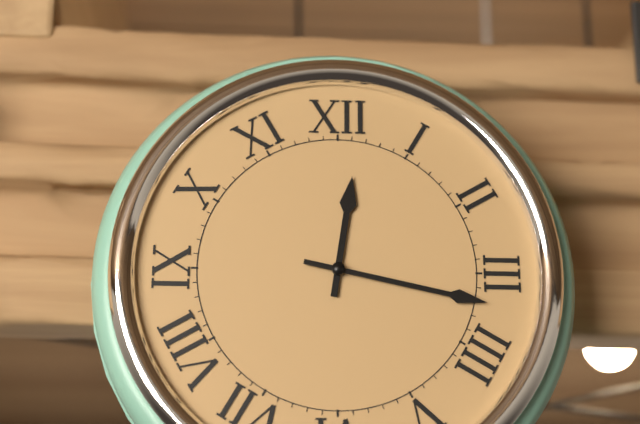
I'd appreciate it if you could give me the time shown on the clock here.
12:17
